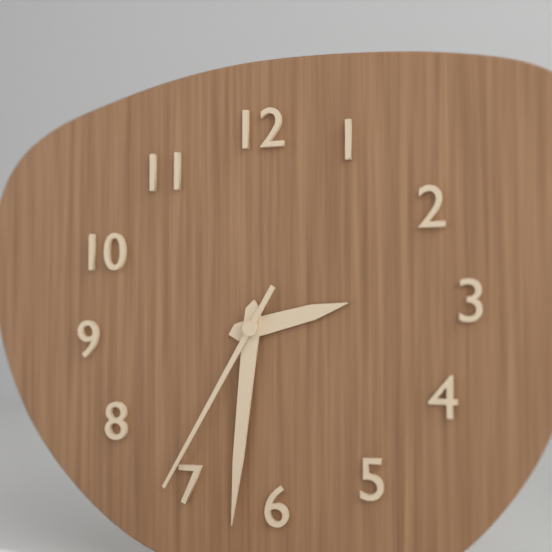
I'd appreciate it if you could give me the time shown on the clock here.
2:31:35
